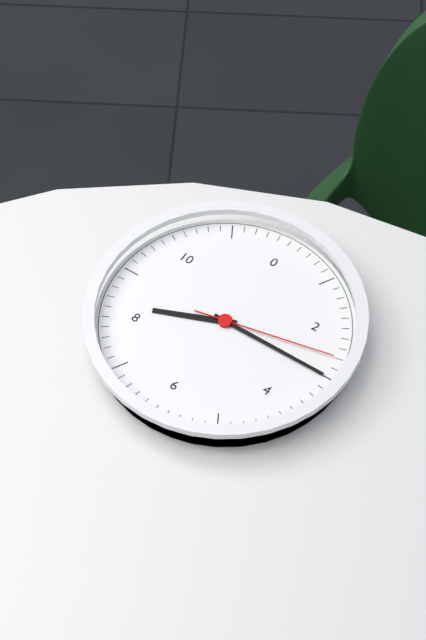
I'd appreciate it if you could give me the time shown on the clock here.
8:15:13
